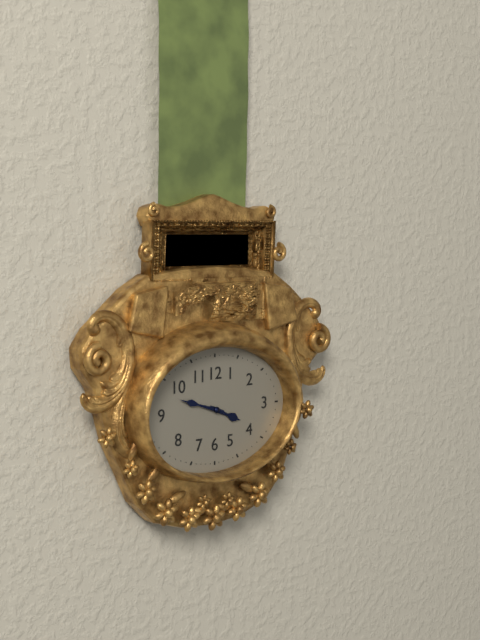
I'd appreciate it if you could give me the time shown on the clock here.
3:48
